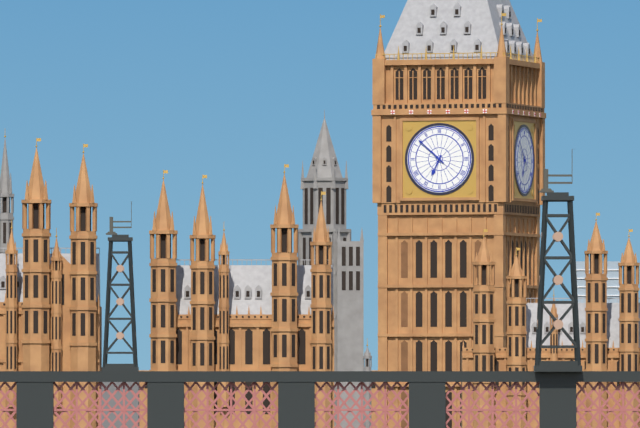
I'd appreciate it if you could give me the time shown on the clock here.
6:52
